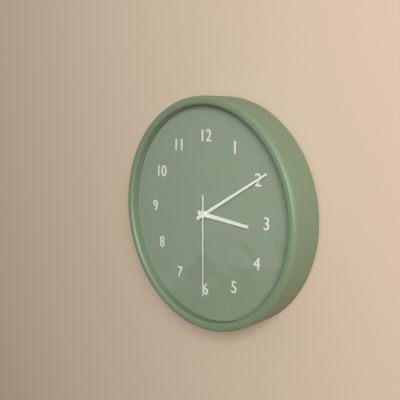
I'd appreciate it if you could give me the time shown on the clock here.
3:10:30
